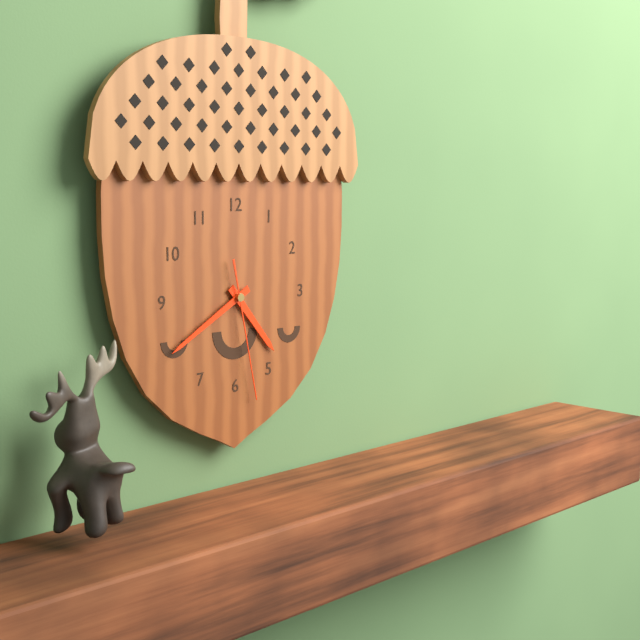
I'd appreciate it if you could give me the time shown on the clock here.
4:40:28
